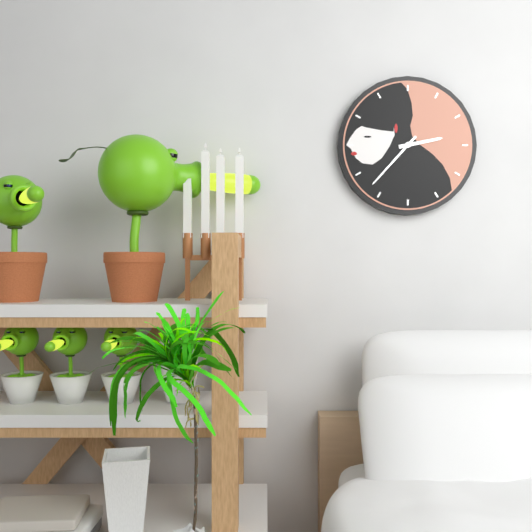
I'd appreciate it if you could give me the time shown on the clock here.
2:37
